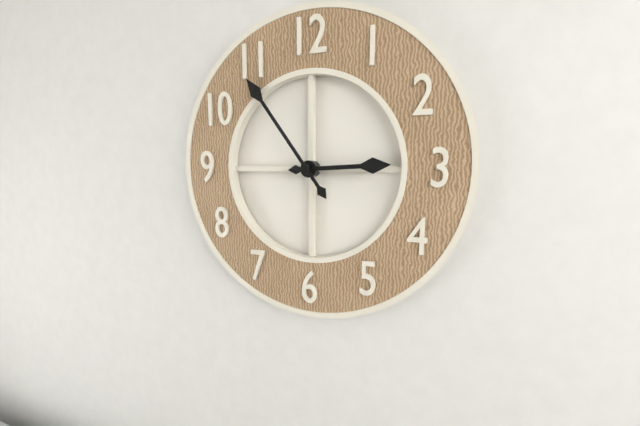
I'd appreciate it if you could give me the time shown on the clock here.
2:54
